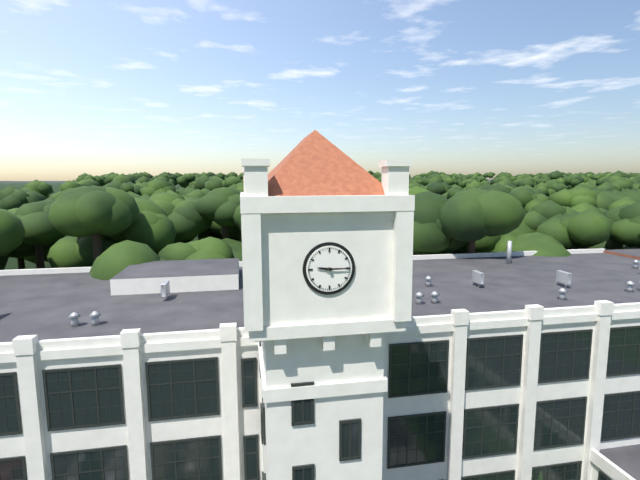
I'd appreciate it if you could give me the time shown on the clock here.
9:15
